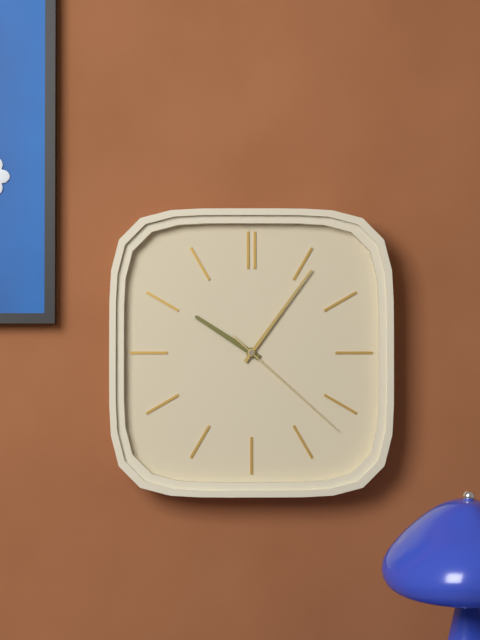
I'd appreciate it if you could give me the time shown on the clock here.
10:06:22
